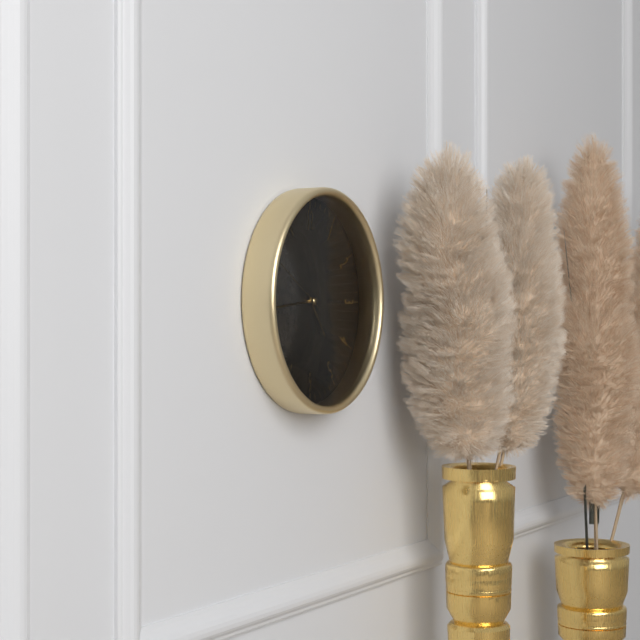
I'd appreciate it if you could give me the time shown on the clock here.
4:44:50
